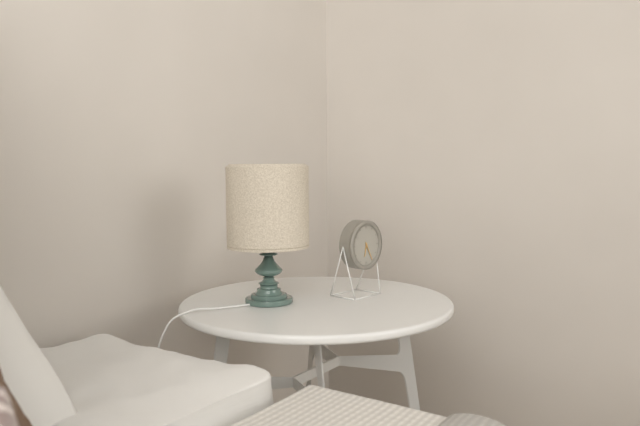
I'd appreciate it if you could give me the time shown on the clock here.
6:25
